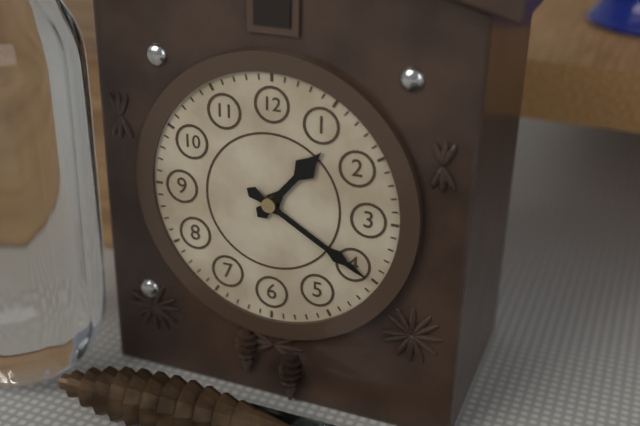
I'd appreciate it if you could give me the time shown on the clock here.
1:20
